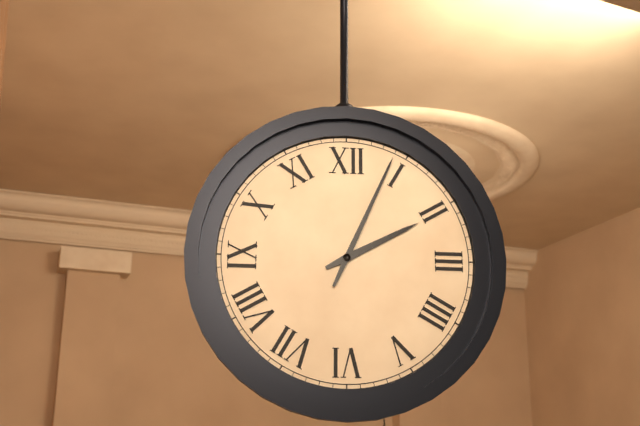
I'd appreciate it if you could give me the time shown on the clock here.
2:04
